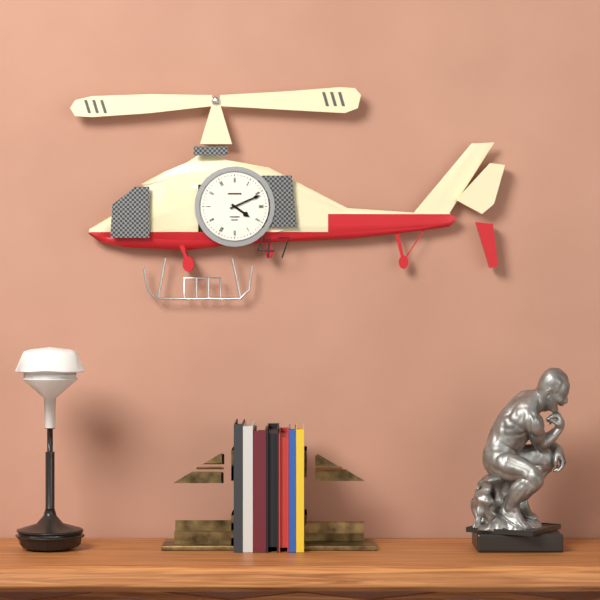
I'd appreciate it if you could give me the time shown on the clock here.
4:11
